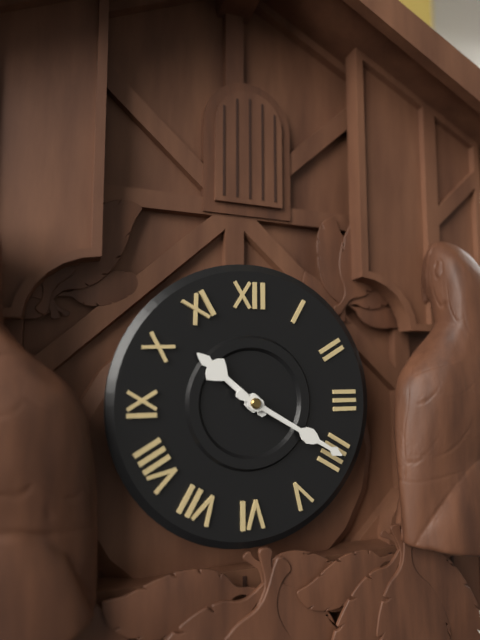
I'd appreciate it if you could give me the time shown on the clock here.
10:20
